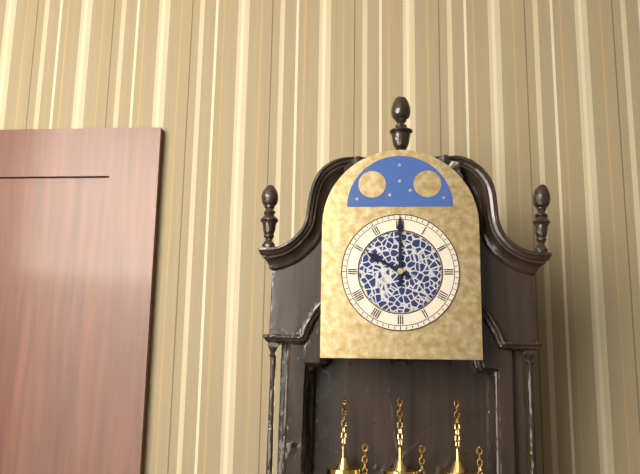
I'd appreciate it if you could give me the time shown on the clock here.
10:00
